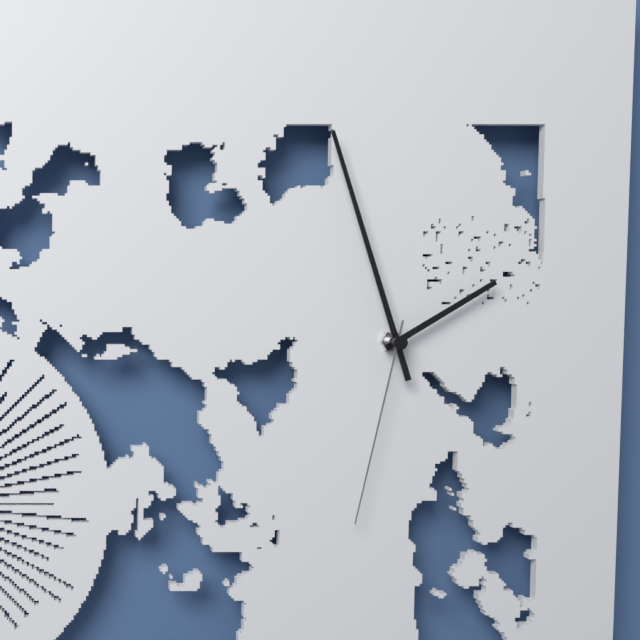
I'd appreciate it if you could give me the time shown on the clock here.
1:57:32
